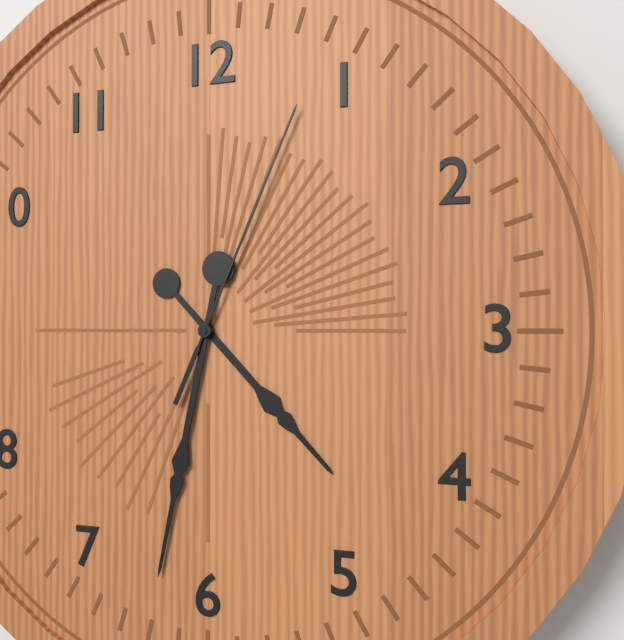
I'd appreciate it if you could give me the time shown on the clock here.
4:32:04
